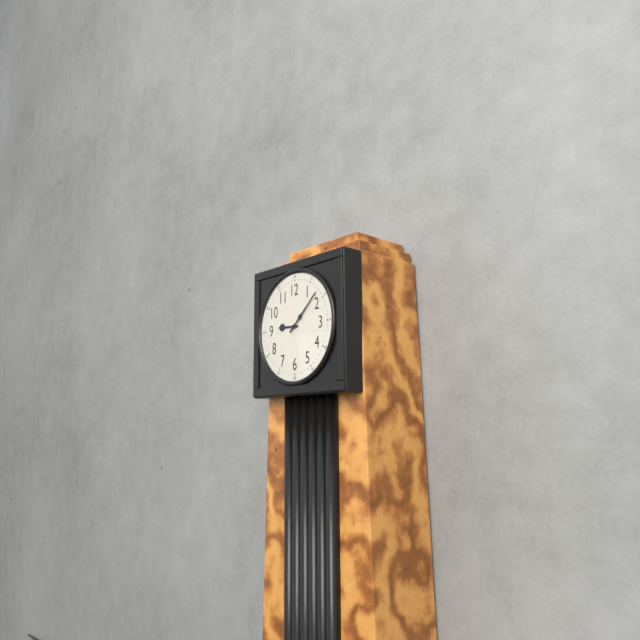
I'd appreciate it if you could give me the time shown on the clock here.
9:08
